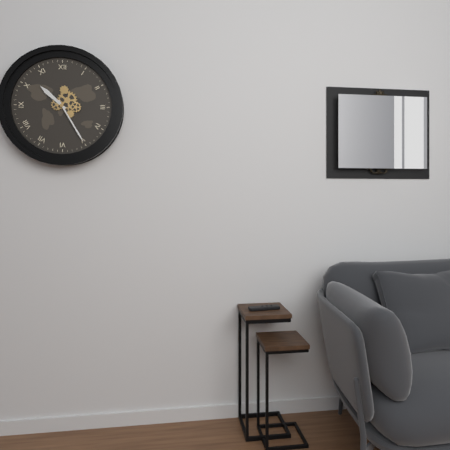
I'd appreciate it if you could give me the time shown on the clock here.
10:25
